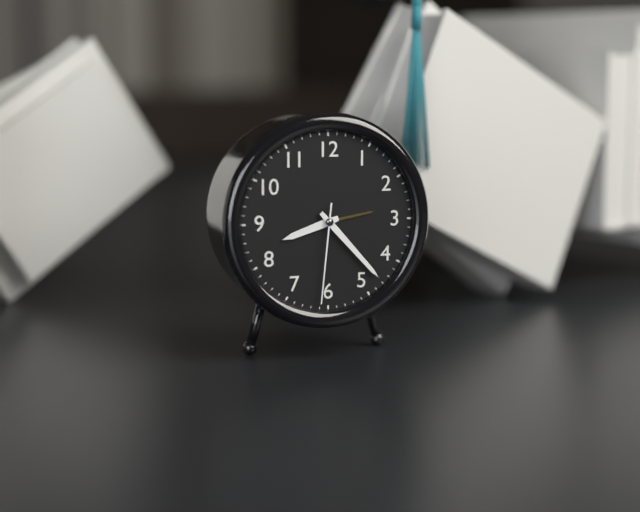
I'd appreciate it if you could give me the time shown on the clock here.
8:23:31
